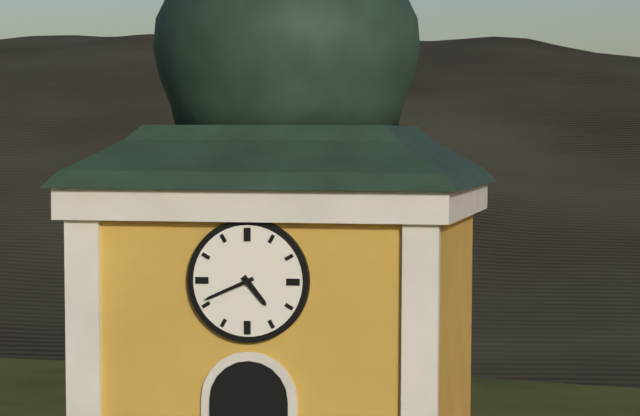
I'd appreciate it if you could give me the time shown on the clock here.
4:41
